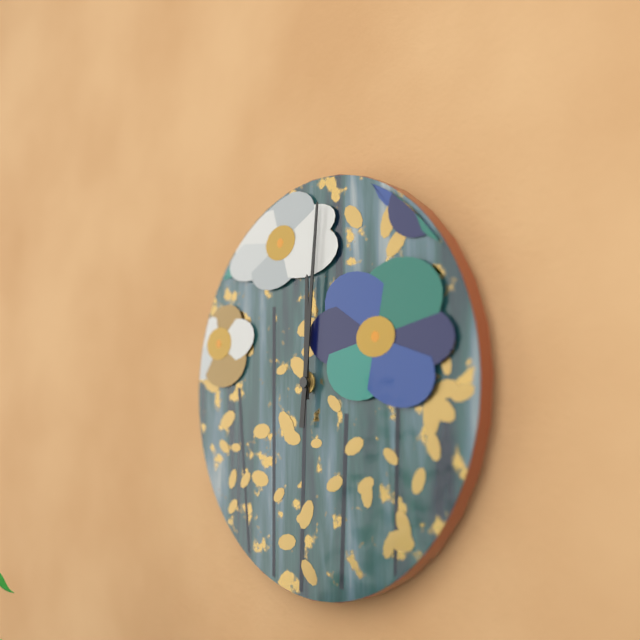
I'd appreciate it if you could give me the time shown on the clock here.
12:01
